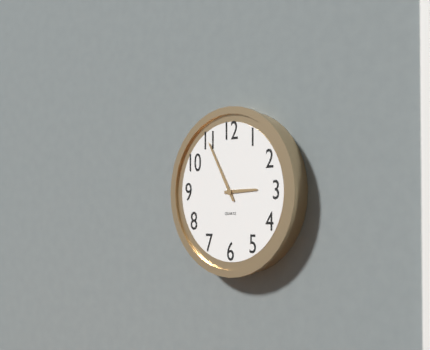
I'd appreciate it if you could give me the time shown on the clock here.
2:55
